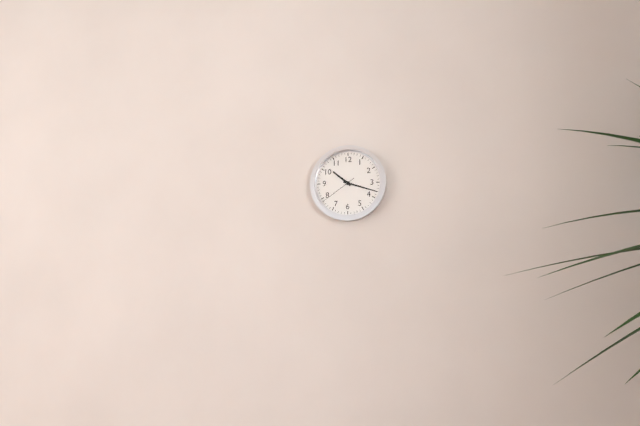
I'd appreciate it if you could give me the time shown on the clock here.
10:18
